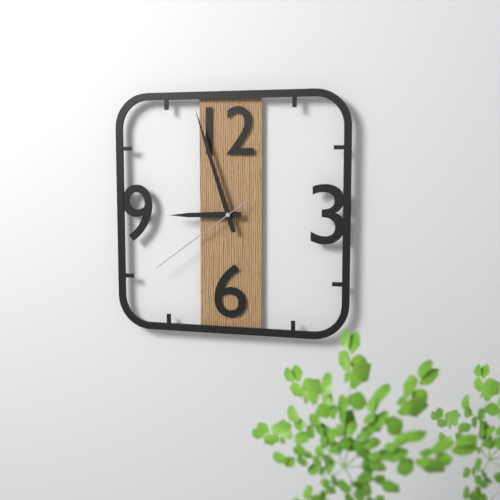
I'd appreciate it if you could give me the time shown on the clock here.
8:57:39
